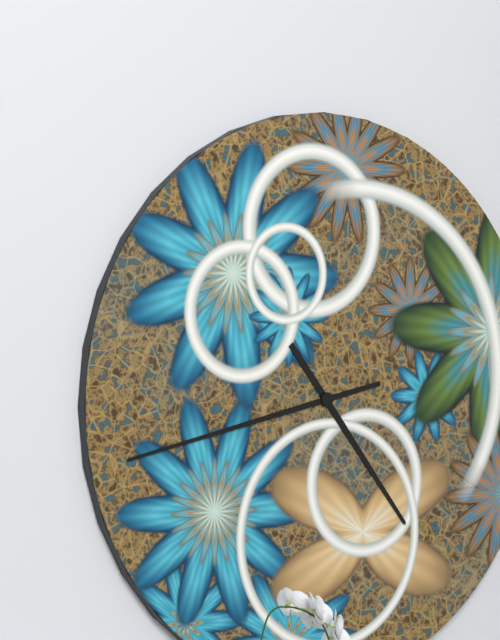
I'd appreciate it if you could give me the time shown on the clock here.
4:43
